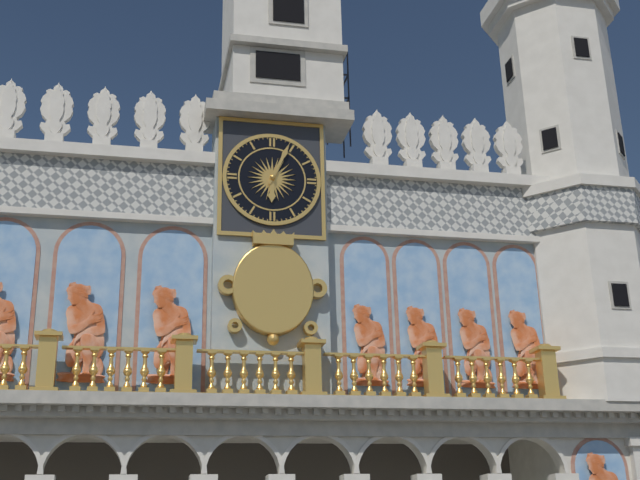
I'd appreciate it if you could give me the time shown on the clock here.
6:04
